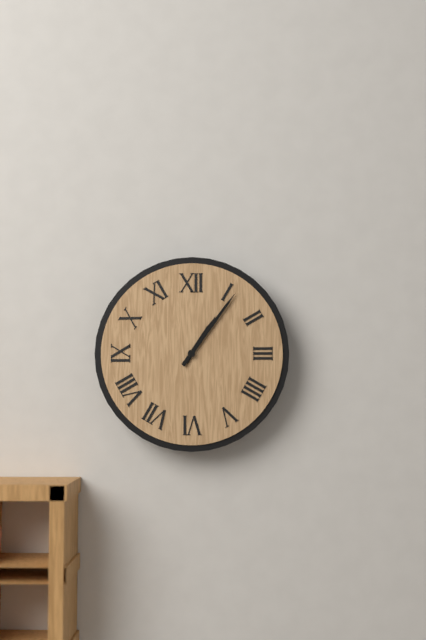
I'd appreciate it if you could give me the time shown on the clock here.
1:06
